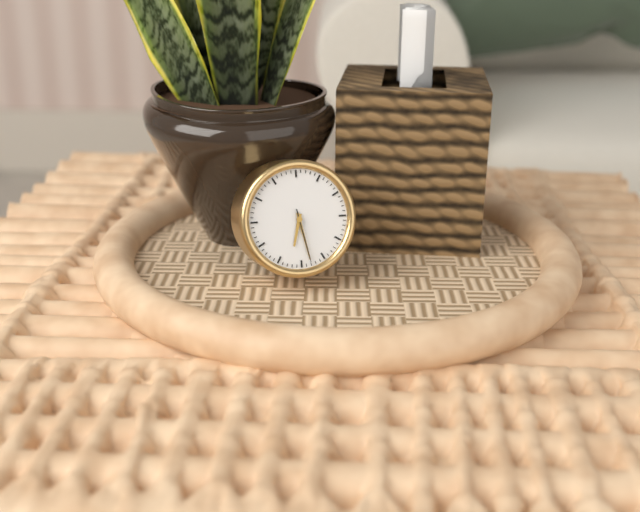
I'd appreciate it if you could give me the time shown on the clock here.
6:28:28
